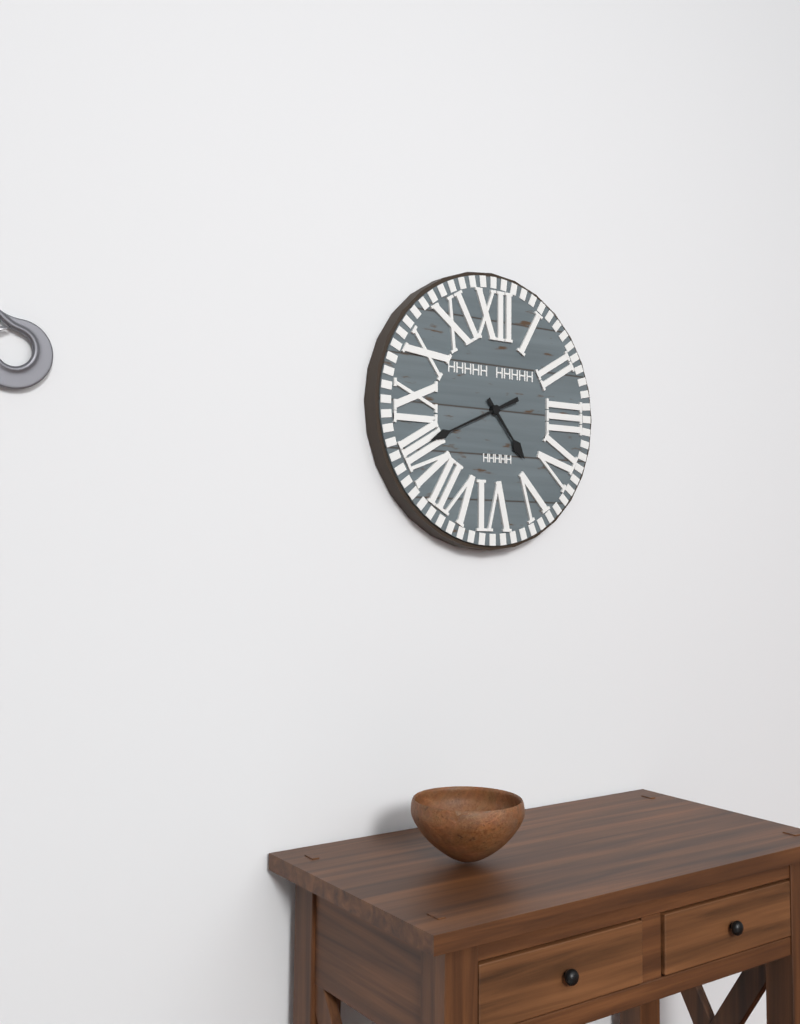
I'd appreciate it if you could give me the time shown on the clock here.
4:41
